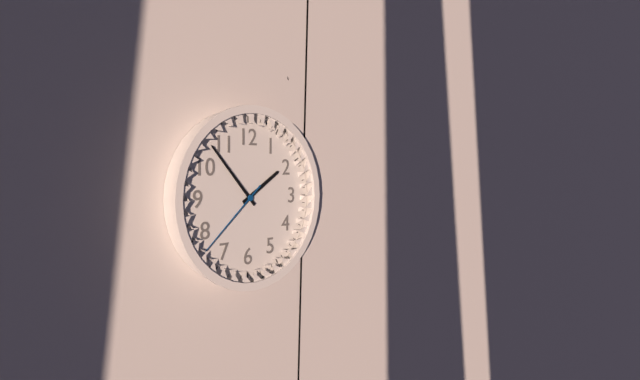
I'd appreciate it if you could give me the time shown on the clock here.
1:53:38
